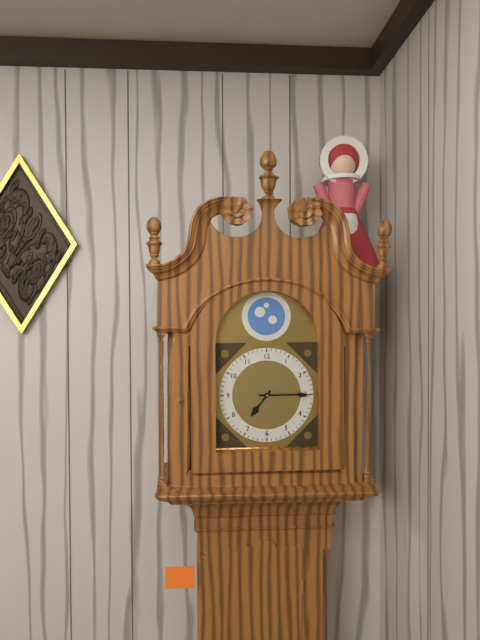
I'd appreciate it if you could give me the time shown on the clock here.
7:15
